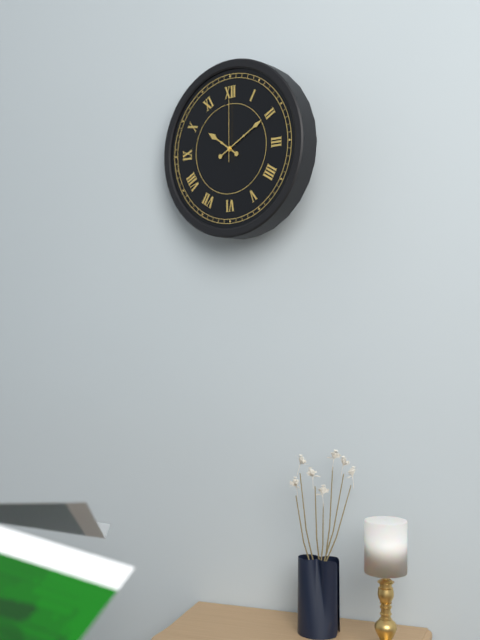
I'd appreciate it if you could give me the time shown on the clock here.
10:10:00
